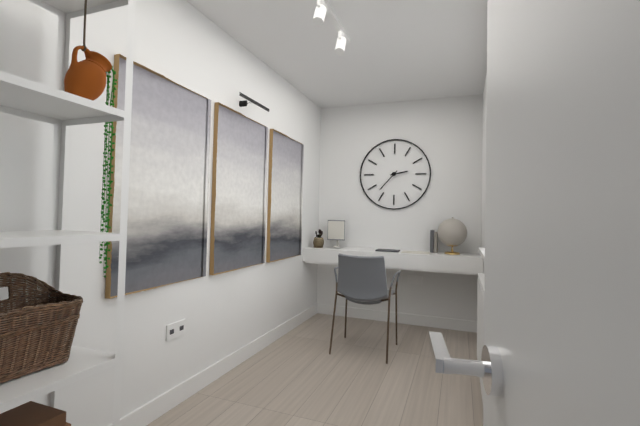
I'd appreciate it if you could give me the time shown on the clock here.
2:37
